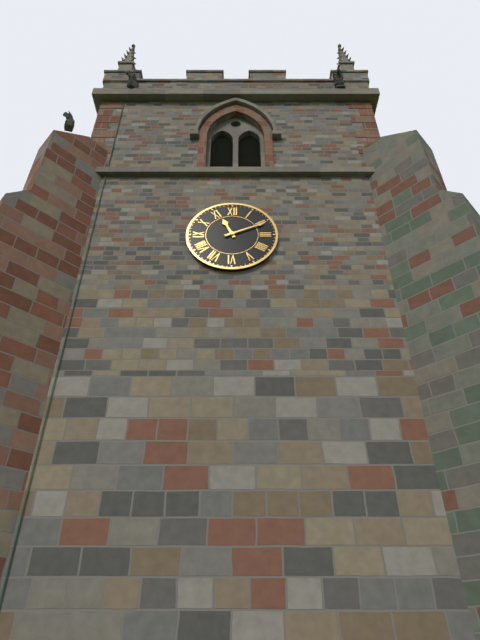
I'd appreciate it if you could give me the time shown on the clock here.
11:11
